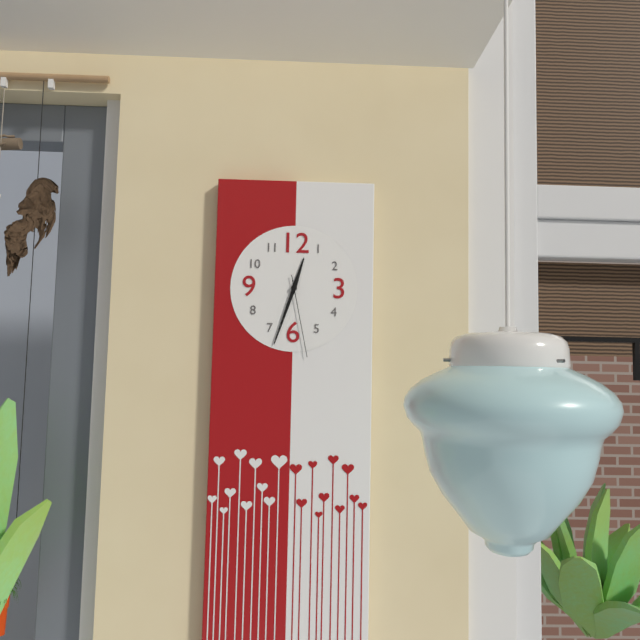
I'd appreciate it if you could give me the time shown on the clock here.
12:33:28
